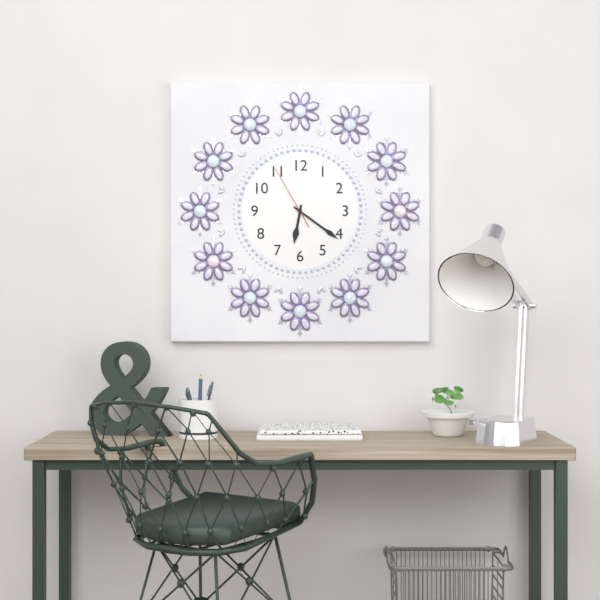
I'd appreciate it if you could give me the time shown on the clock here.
6:21:55
